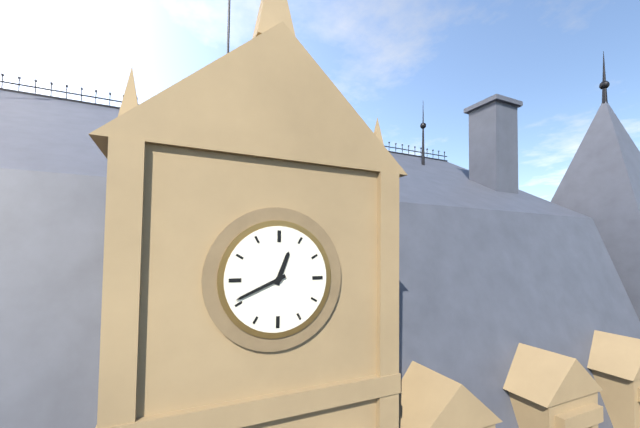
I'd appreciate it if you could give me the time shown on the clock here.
12:41
